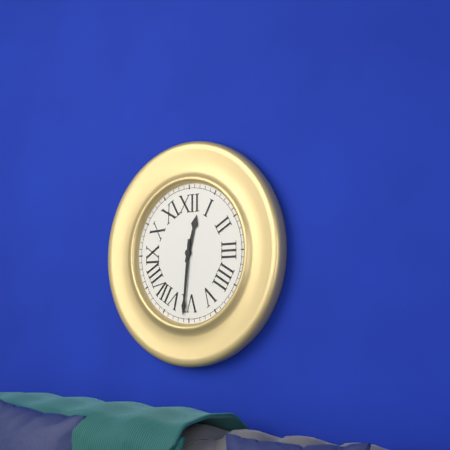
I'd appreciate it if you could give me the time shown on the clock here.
12:31
